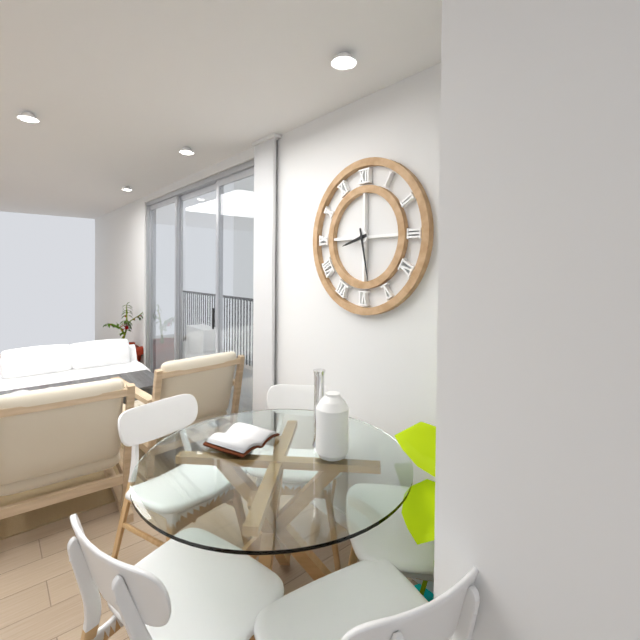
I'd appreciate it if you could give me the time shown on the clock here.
8:28
